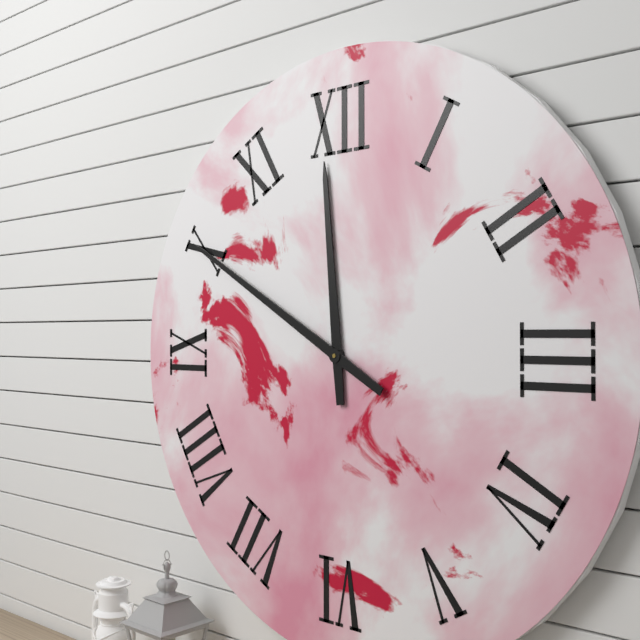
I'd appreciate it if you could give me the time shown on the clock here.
11:50
